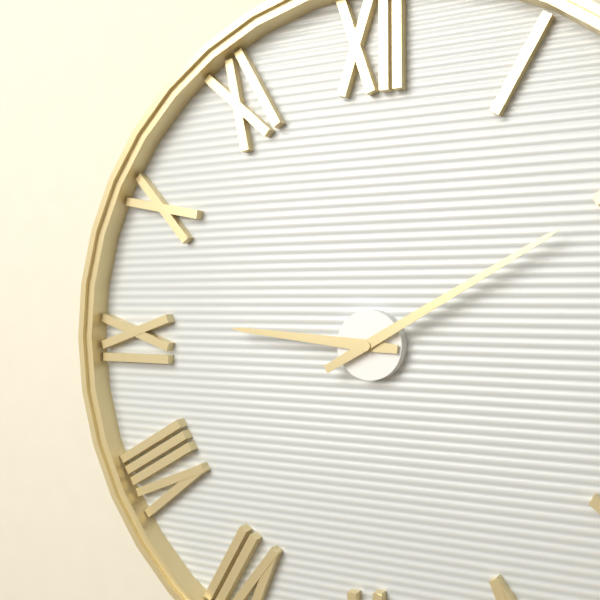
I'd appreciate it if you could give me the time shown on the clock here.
9:10
